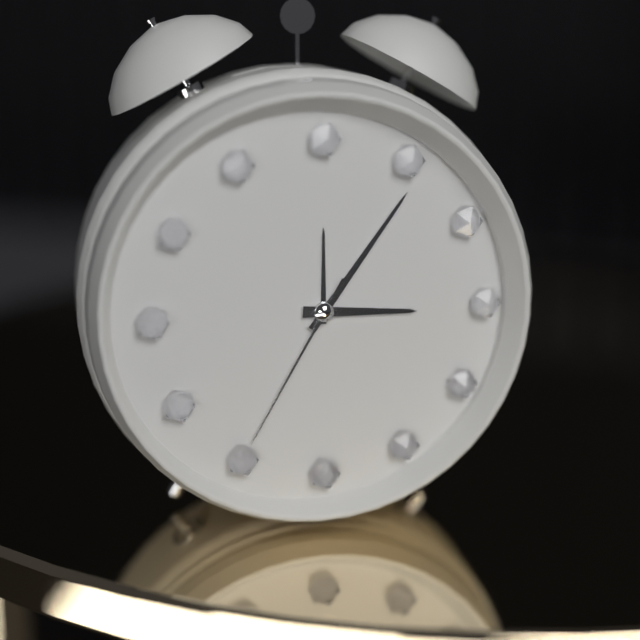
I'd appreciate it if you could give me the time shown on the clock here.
3:06:35
